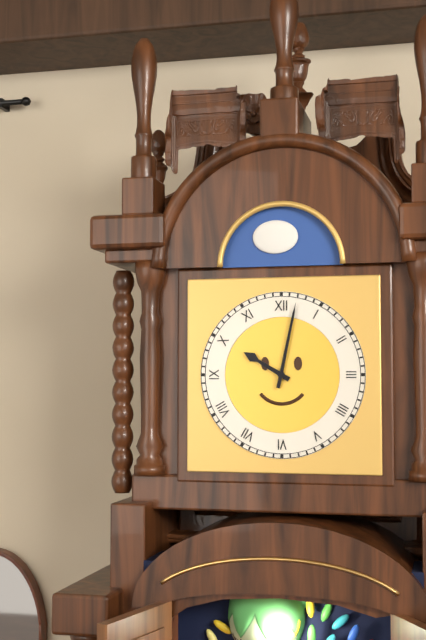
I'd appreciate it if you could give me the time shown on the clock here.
10:02
